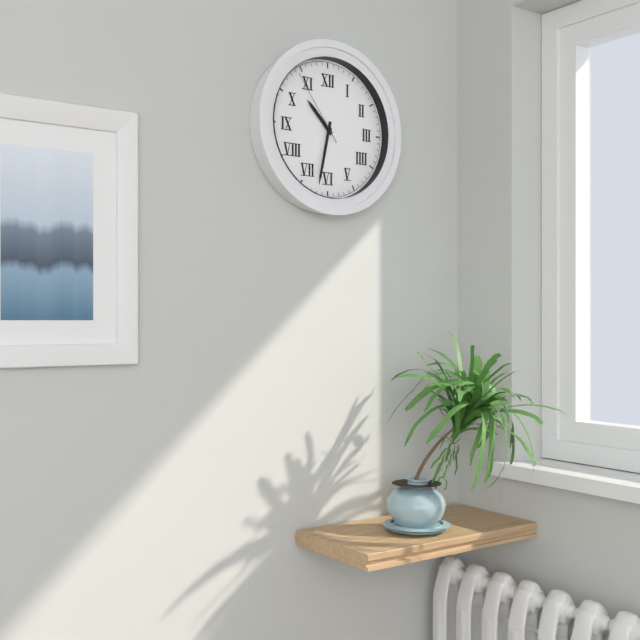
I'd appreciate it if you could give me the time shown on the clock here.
10:32:54
